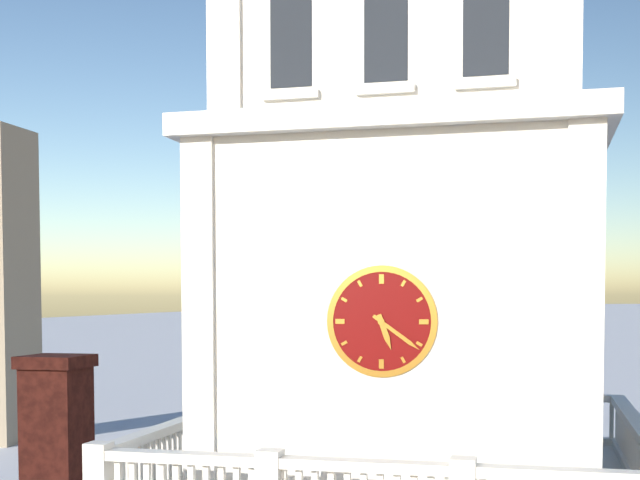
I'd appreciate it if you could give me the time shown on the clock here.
5:21
